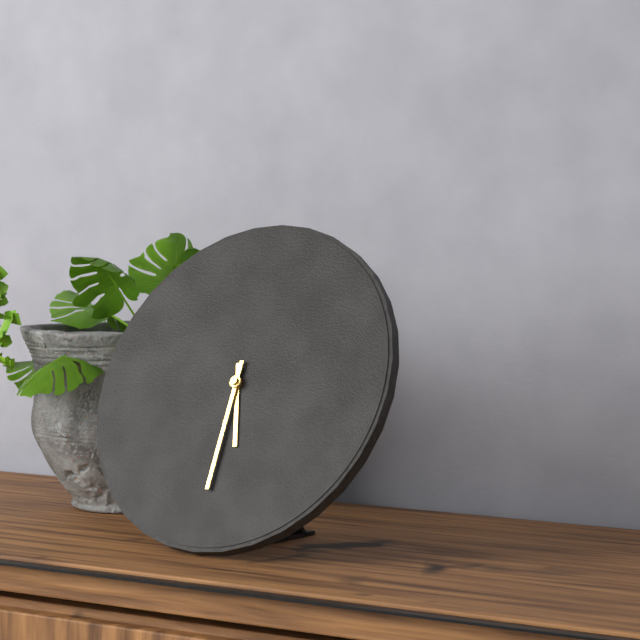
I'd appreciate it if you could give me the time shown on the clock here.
5:30
